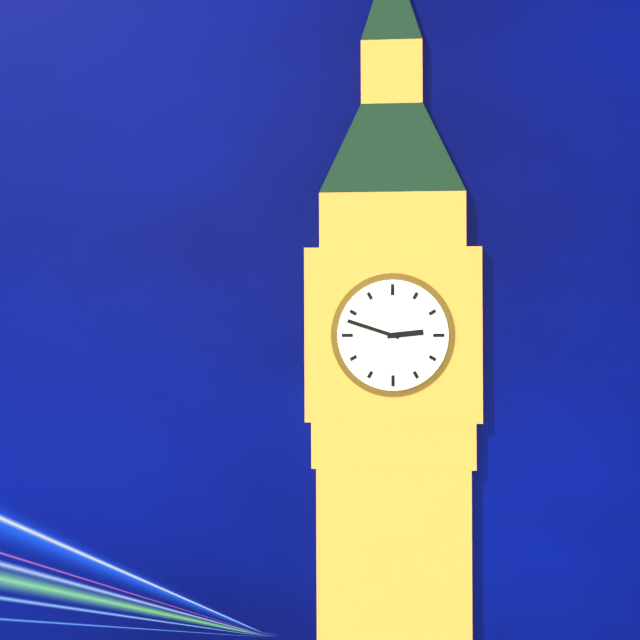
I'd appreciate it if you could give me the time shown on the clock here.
2:48
